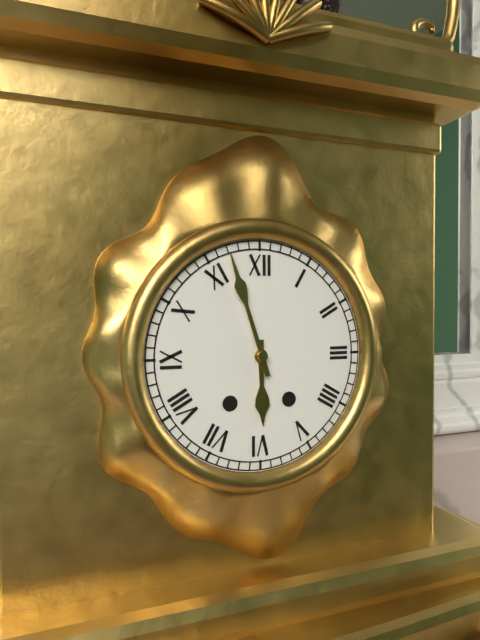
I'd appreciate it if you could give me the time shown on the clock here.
5:57
